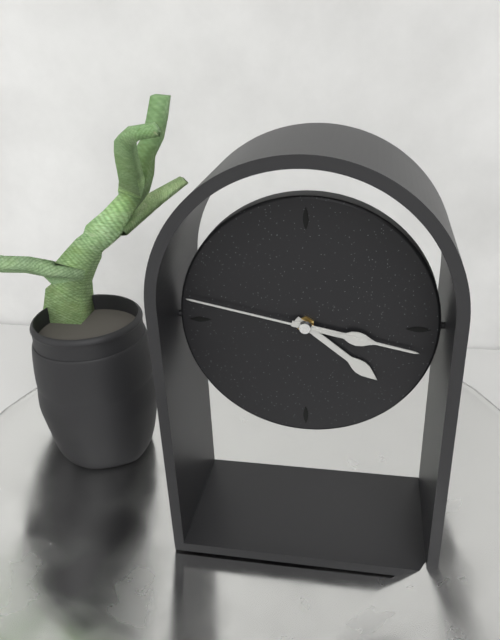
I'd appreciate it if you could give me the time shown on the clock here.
4:17:47
